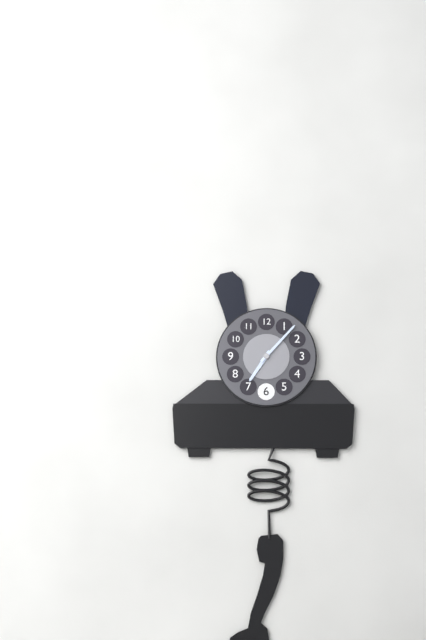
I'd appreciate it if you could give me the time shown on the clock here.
7:07
